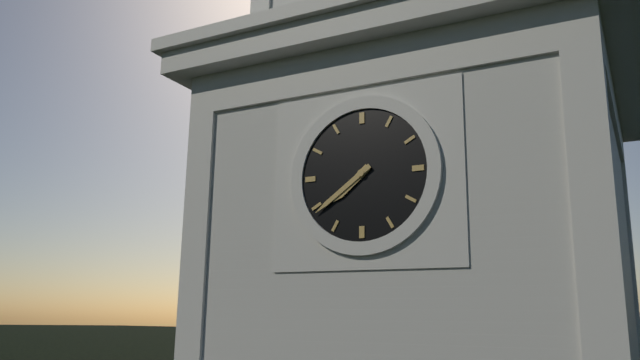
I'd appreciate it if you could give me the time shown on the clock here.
7:39
